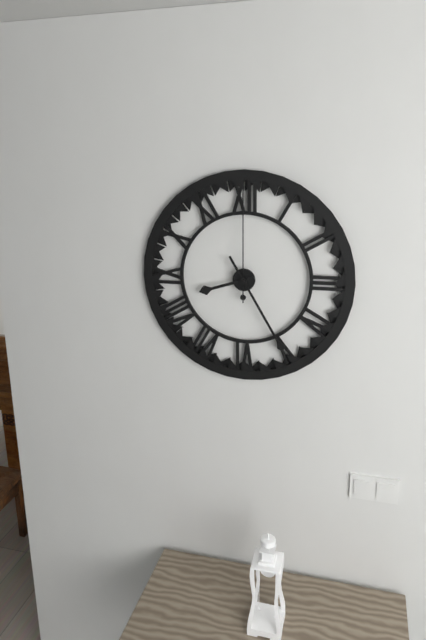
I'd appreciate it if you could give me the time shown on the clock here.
8:25:00
